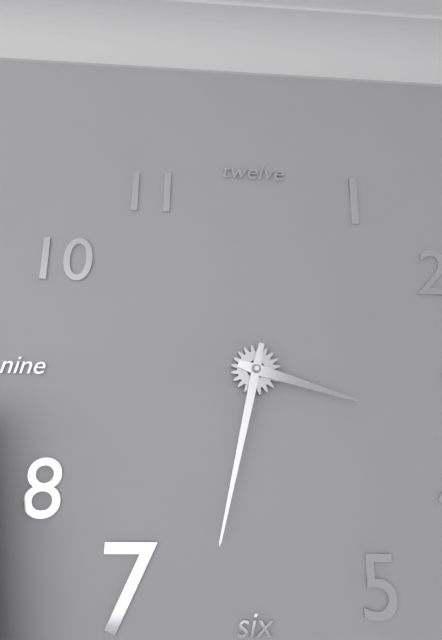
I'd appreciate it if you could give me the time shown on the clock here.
3:32
